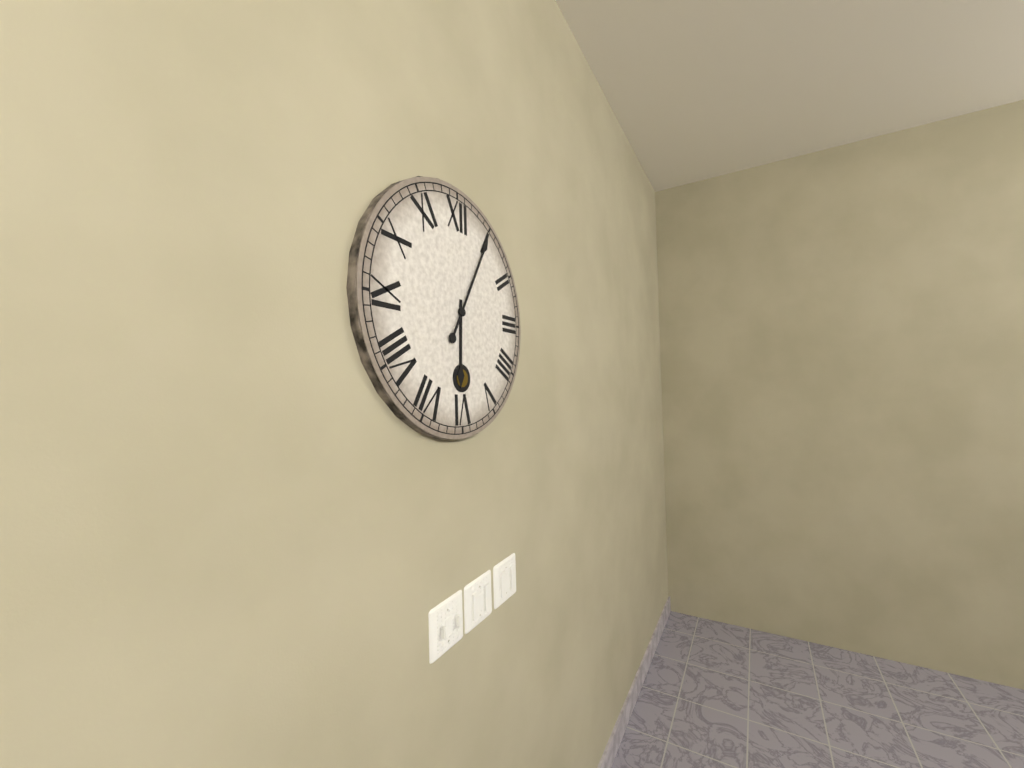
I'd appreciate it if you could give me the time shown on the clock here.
6:05
